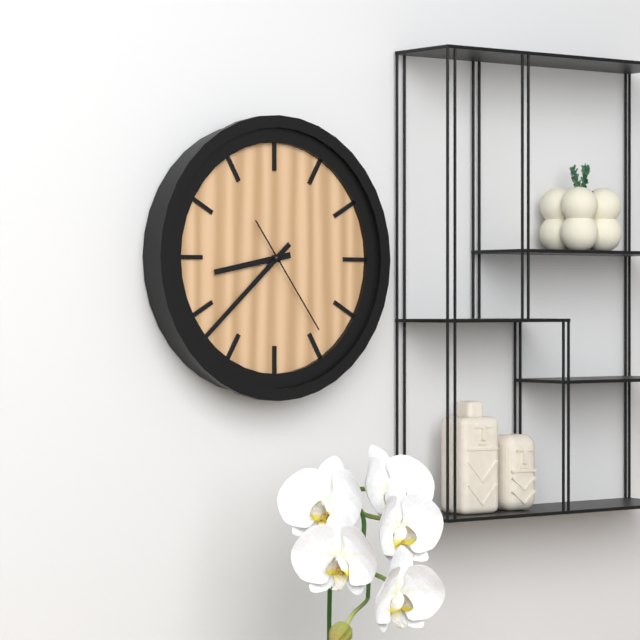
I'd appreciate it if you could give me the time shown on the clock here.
8:38:24
